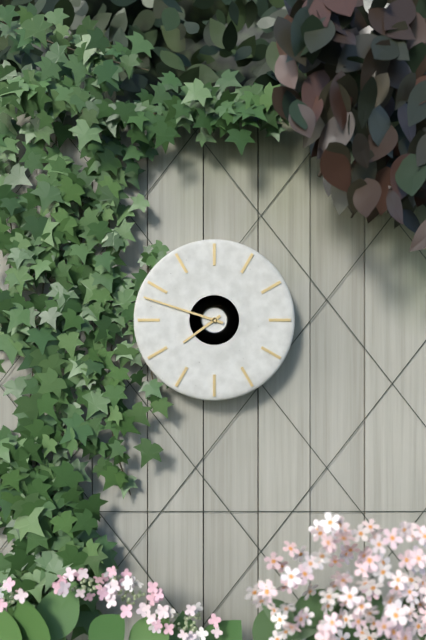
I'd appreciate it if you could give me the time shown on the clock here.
7:48
